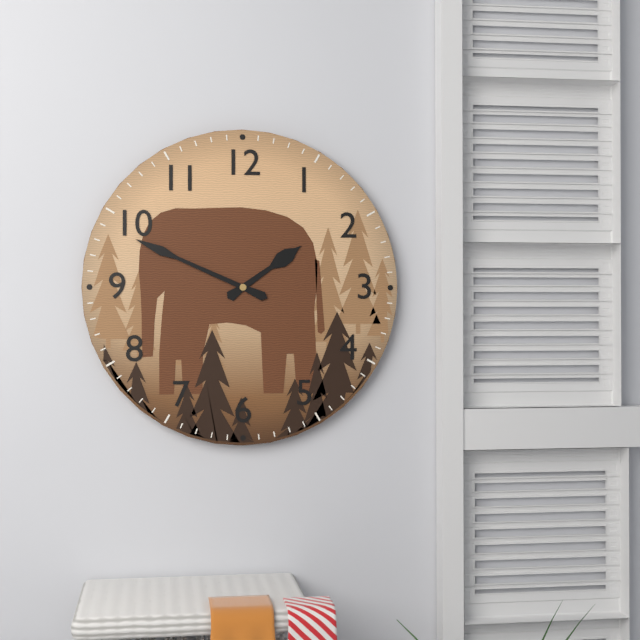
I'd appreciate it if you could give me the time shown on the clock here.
1:49
